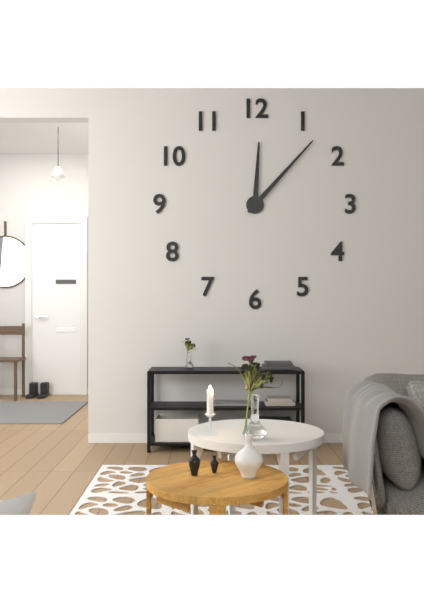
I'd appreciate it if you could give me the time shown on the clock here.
12:07
